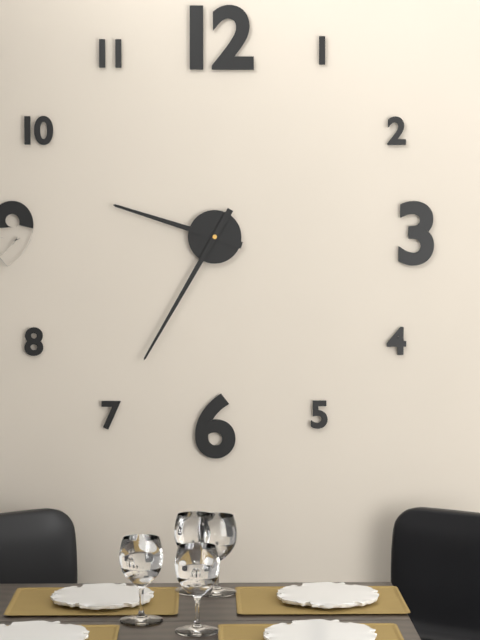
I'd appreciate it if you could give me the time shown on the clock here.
9:35
